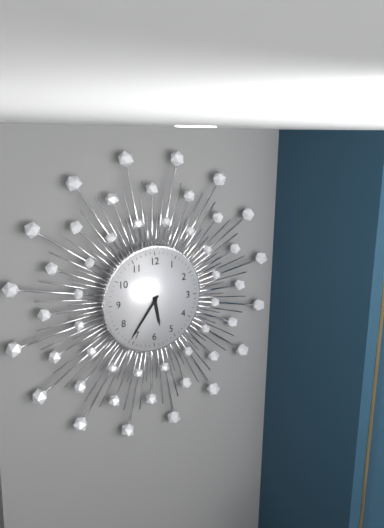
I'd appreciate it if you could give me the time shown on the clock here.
5:36
